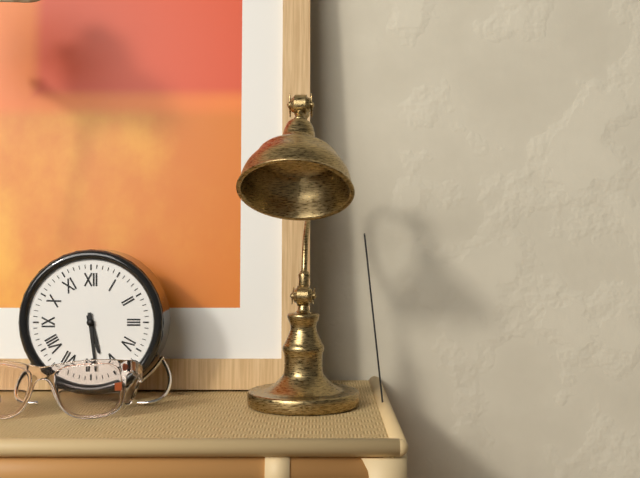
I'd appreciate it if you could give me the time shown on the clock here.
5:29
